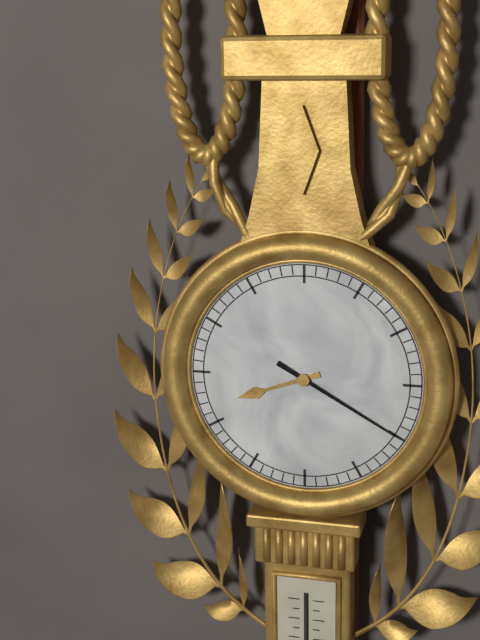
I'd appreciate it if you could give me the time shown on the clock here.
8:20
